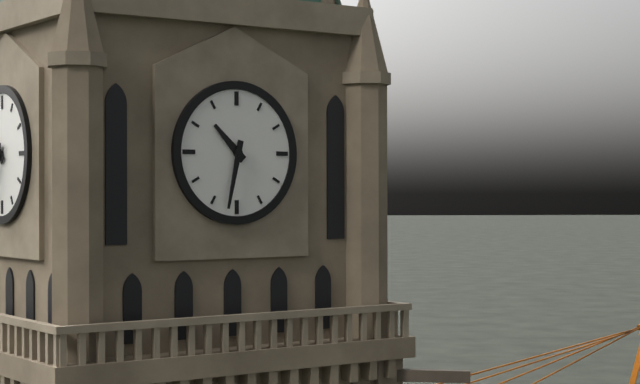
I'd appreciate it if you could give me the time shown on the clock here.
10:32
